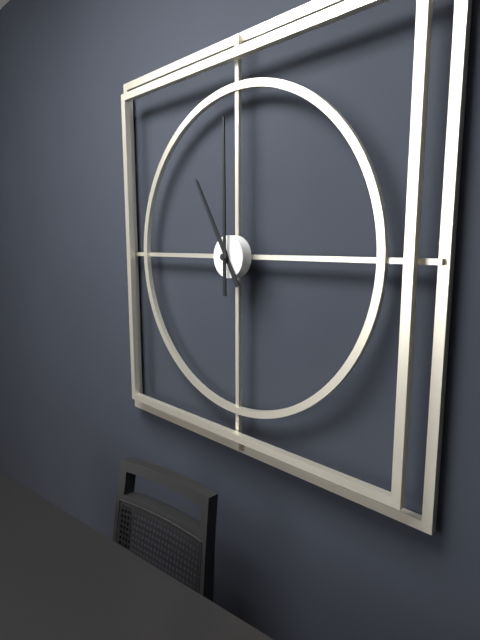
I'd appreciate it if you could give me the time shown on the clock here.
11:00
